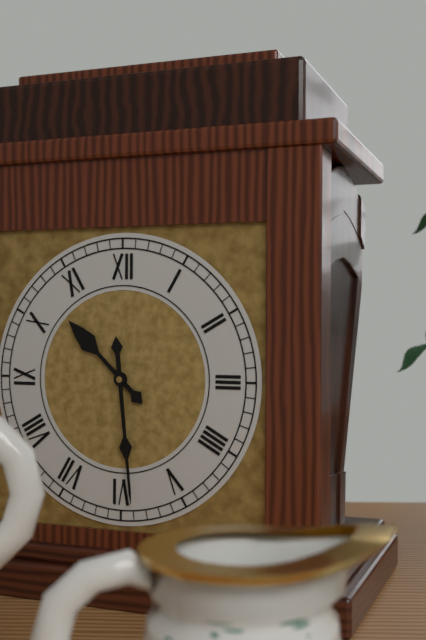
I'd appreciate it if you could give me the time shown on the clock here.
10:29
